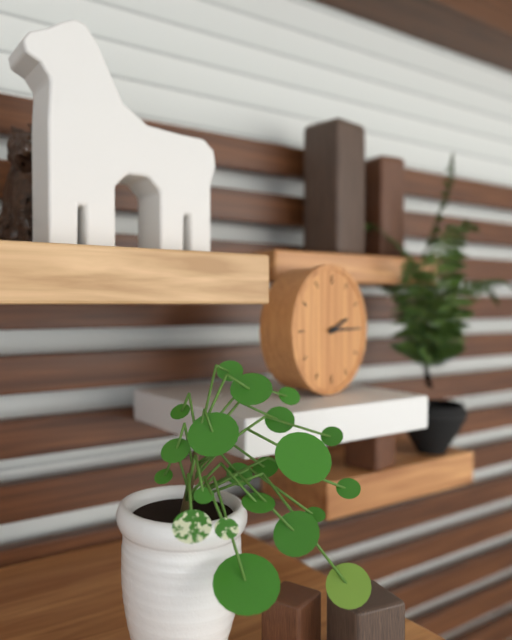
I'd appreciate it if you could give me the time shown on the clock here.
2:15
